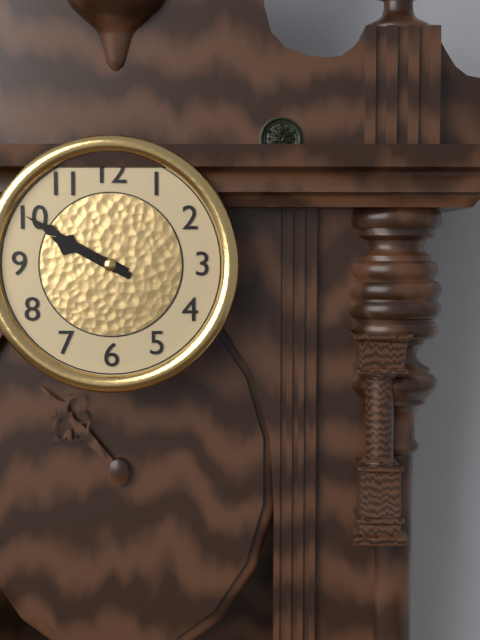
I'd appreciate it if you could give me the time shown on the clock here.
9:50
